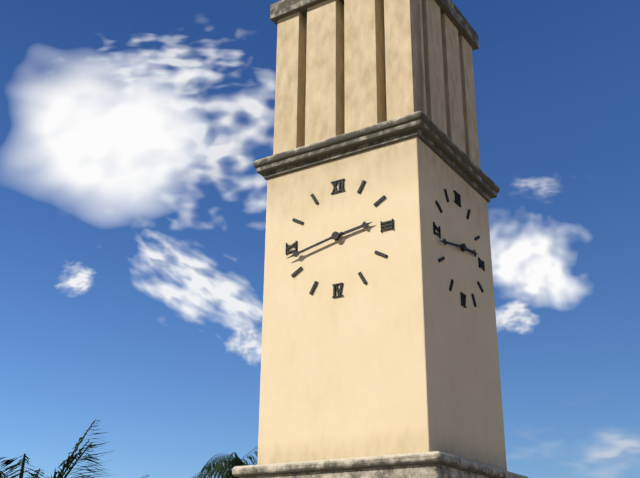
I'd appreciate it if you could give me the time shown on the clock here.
2:43
